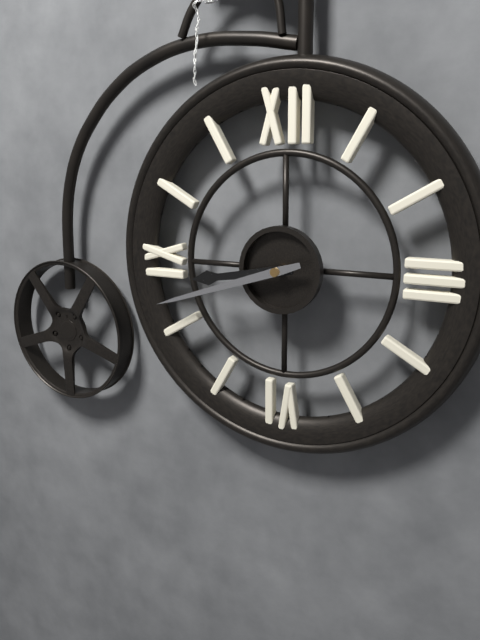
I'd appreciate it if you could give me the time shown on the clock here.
8:42
